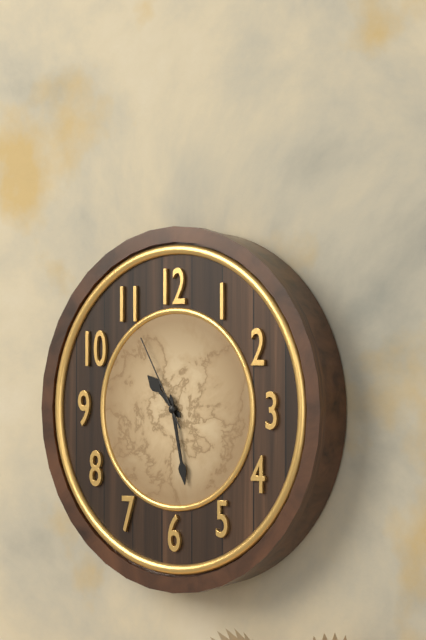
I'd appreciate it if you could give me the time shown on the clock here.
10:28:55
